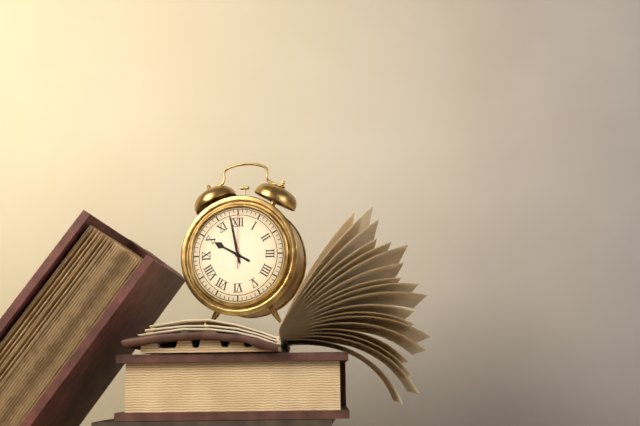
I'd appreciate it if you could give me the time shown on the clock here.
9:58:00
